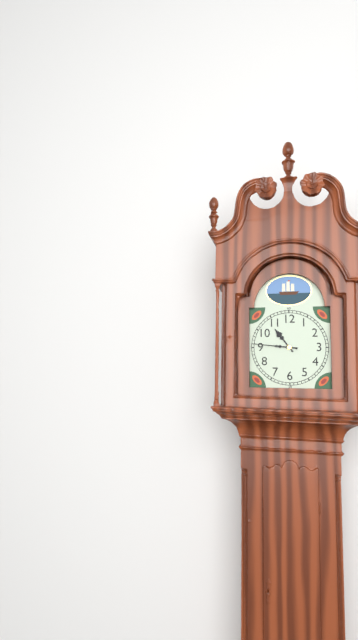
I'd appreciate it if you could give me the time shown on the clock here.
10:46
